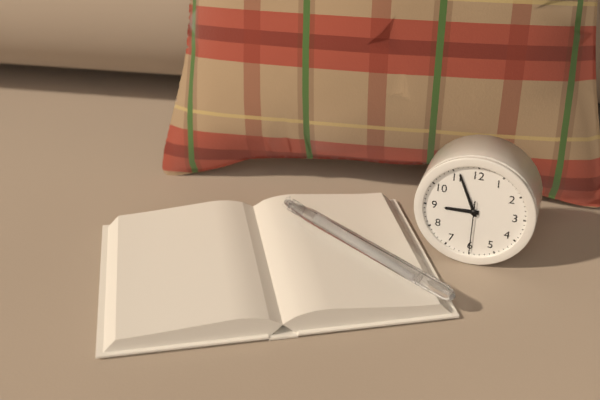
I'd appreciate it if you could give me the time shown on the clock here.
8:56:30
